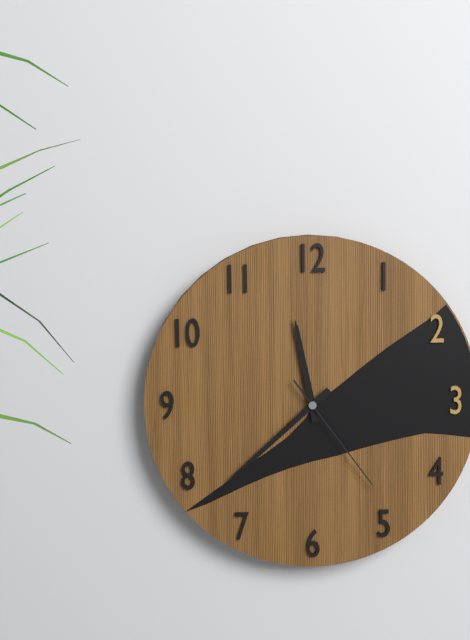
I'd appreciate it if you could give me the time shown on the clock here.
11:38:24
